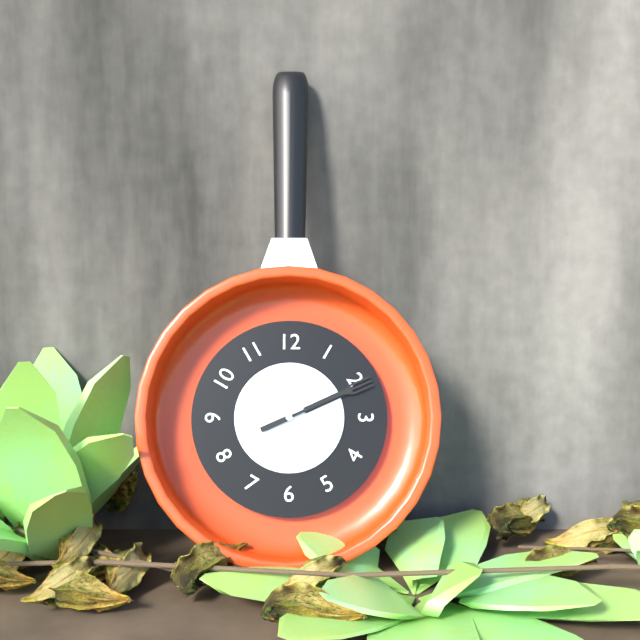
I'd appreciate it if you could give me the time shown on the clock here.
2:11
